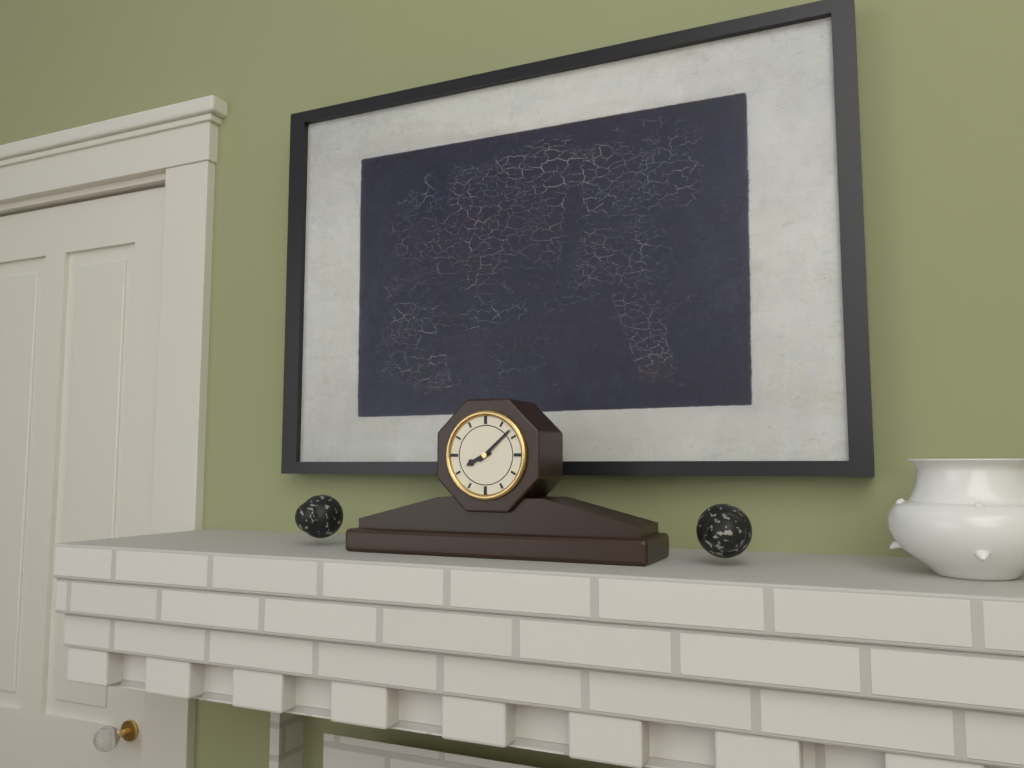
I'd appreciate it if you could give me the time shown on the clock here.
8:08
